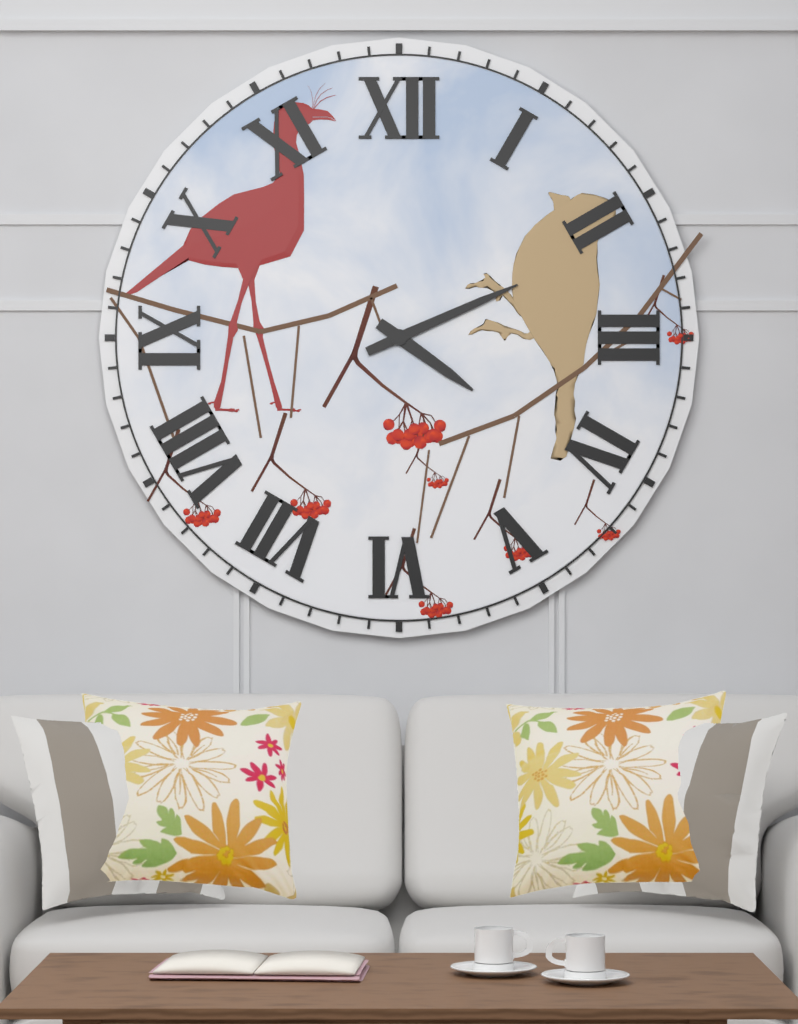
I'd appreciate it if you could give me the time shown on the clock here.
4:11
